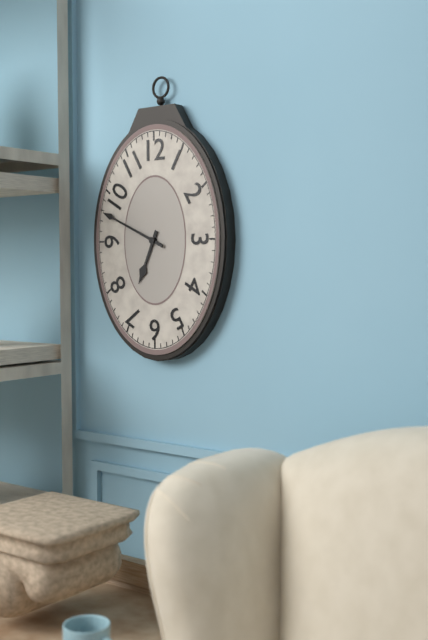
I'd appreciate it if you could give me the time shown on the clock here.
6:49
